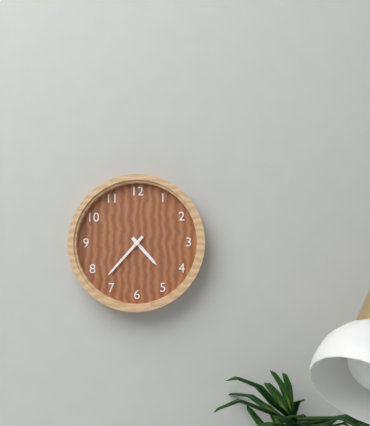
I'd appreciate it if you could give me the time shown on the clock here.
4:37
